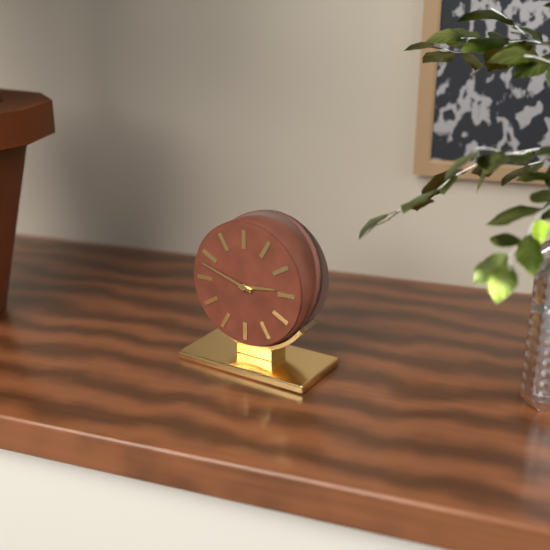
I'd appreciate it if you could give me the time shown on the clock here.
2:48
